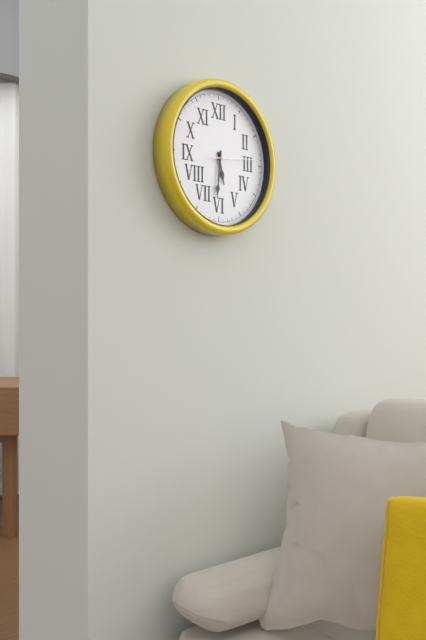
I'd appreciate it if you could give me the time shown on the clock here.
5:31:14
